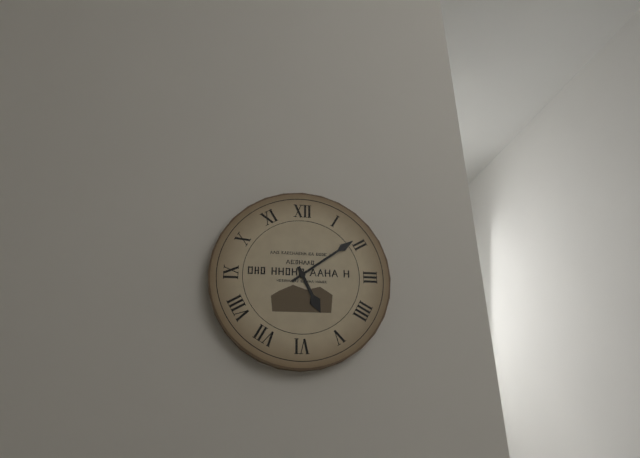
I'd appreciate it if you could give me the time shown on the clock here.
5:09
